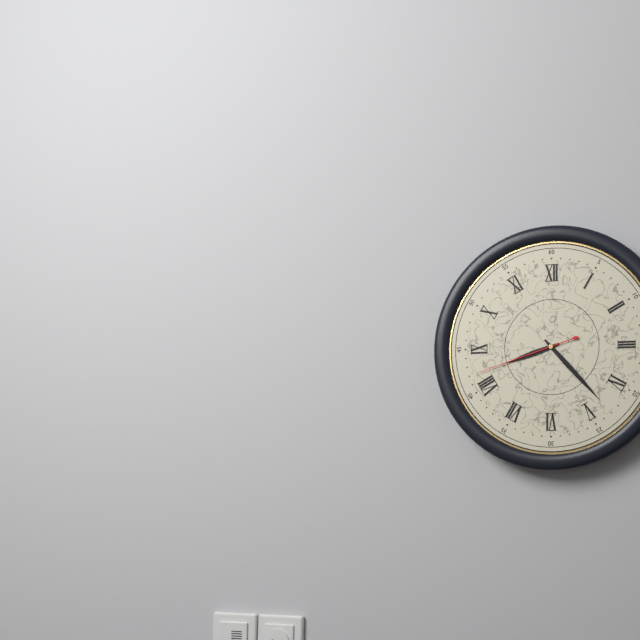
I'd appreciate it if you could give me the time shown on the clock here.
8:23:42
